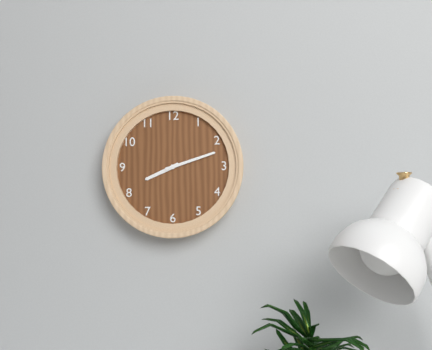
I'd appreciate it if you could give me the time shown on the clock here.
8:12
